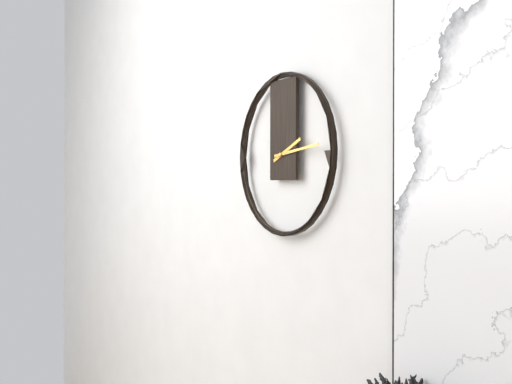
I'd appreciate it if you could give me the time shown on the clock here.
2:14
